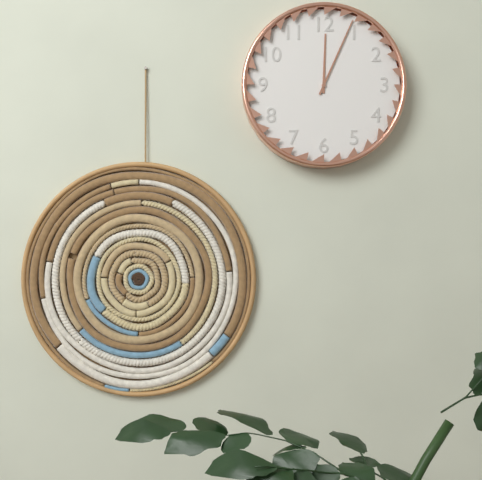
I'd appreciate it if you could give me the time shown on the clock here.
12:04
